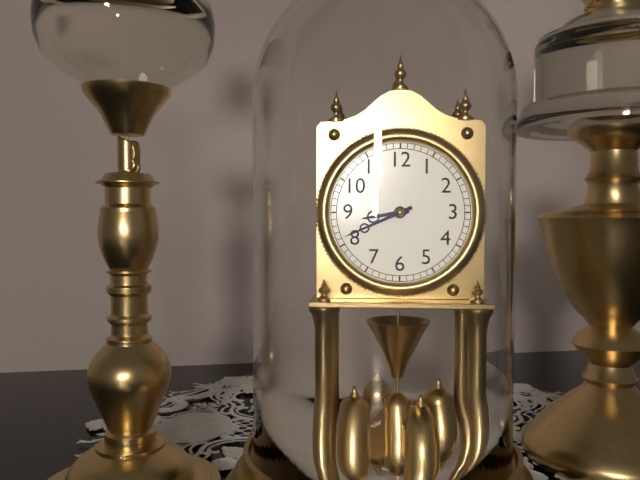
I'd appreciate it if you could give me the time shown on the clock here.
8:41
